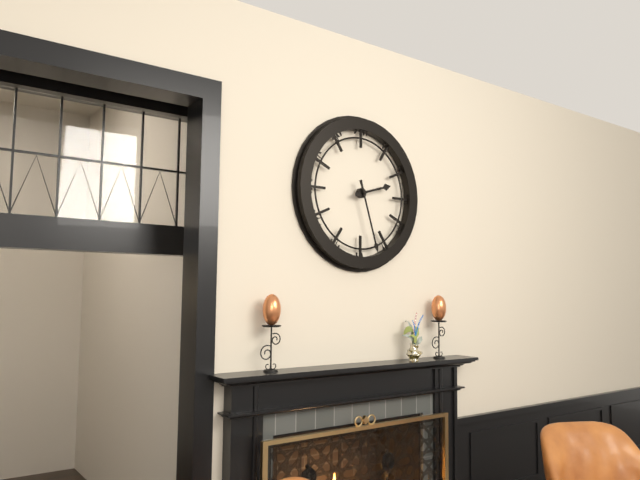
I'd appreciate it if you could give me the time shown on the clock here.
2:27
